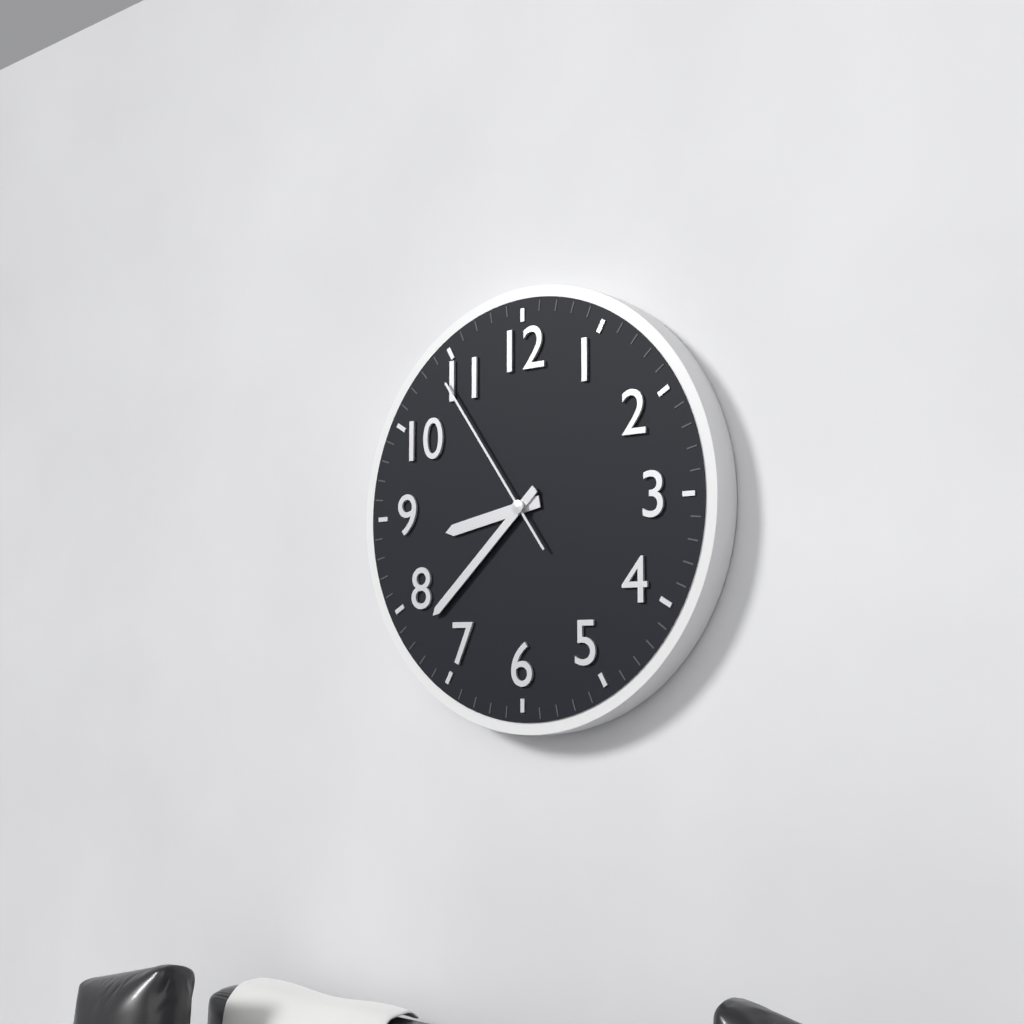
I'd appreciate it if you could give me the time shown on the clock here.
8:38:54
